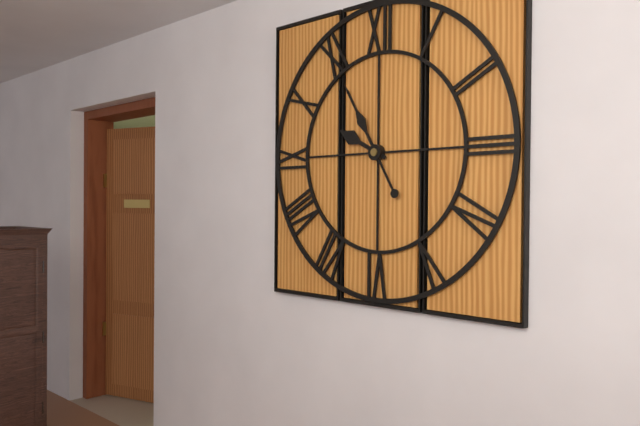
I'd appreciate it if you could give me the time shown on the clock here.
9:55
